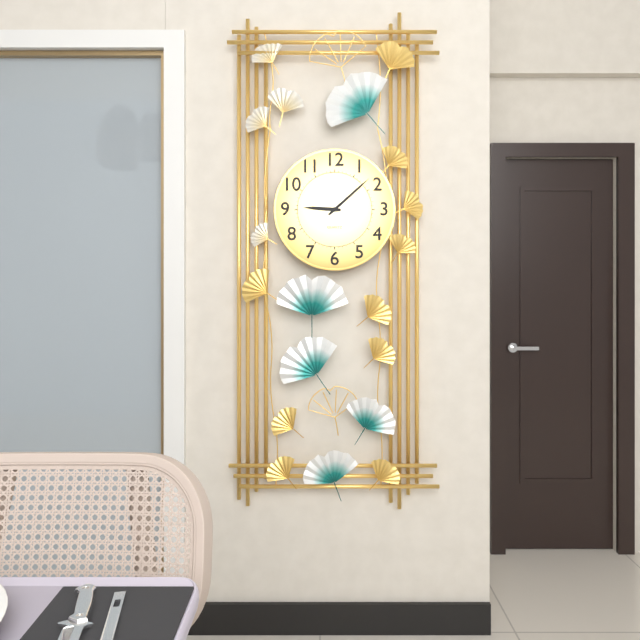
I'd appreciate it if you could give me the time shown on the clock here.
9:08
